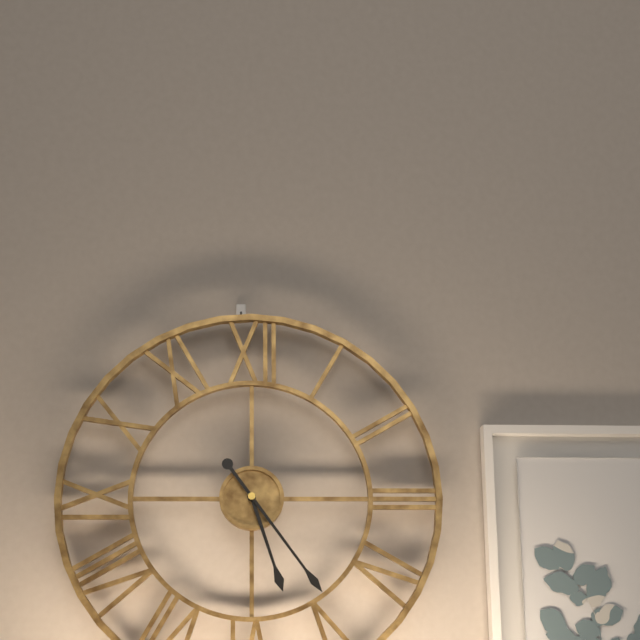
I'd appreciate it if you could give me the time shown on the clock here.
5:24
